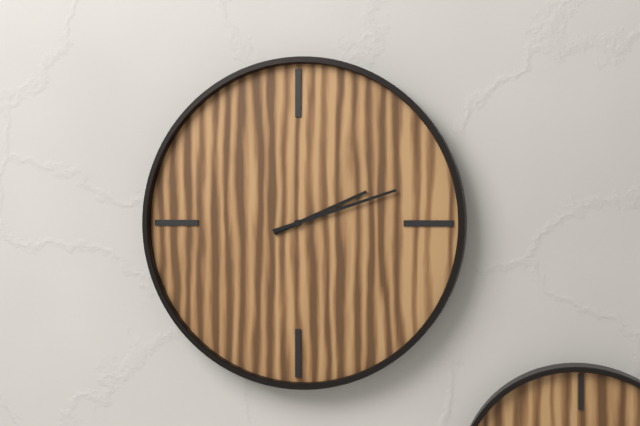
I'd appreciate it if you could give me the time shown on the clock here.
2:12
